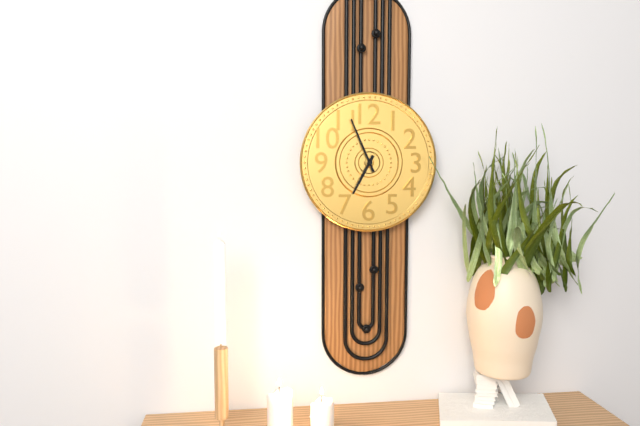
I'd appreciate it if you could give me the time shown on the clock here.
6:56
